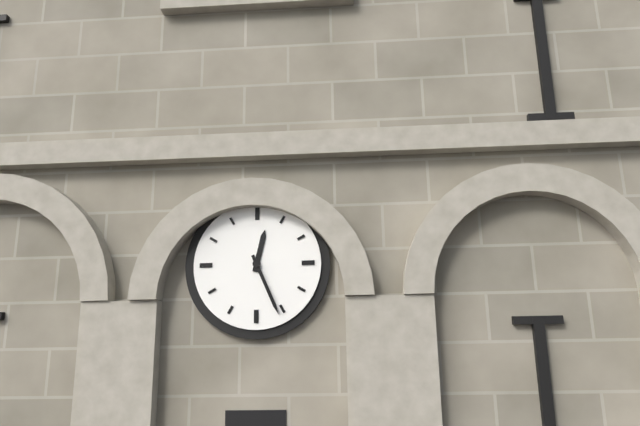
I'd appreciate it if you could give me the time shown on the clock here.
12:26
